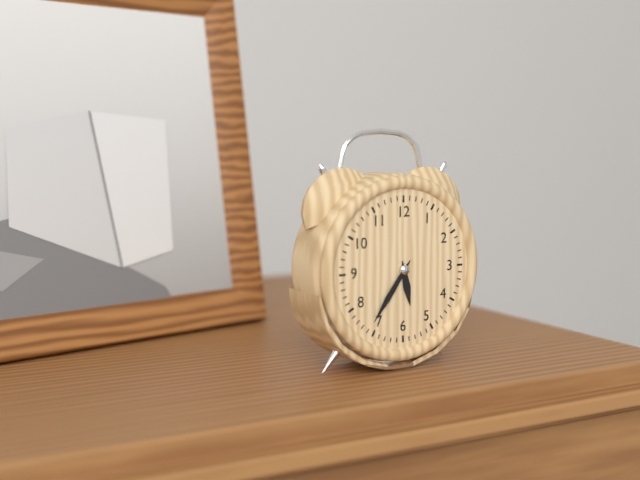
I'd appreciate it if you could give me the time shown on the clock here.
5:36
